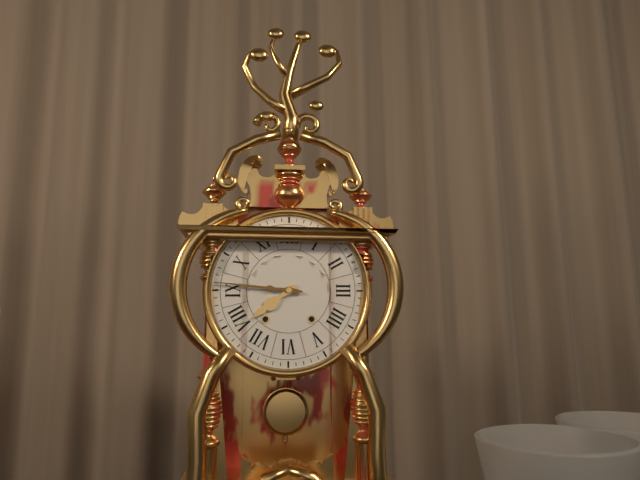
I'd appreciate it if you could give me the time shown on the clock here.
7:46
